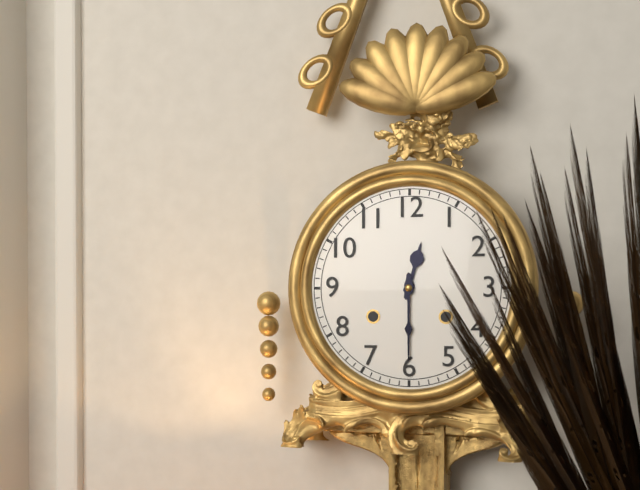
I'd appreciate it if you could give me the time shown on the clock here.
12:30
